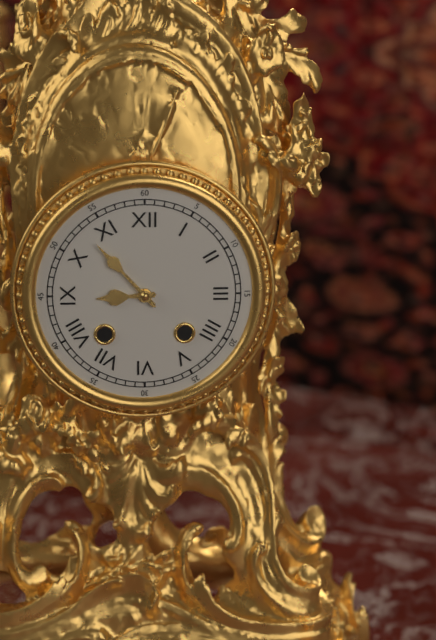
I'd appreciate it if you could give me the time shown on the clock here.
8:53
